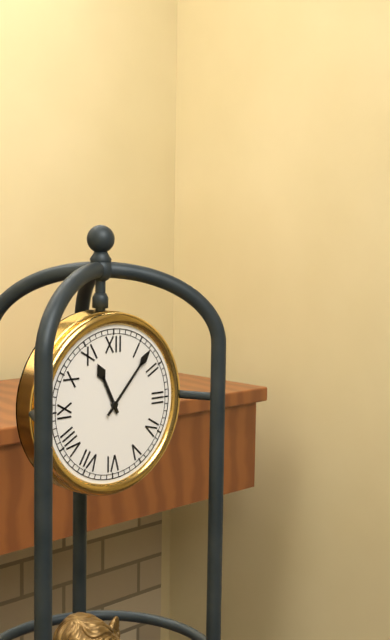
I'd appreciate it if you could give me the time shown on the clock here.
11:07
